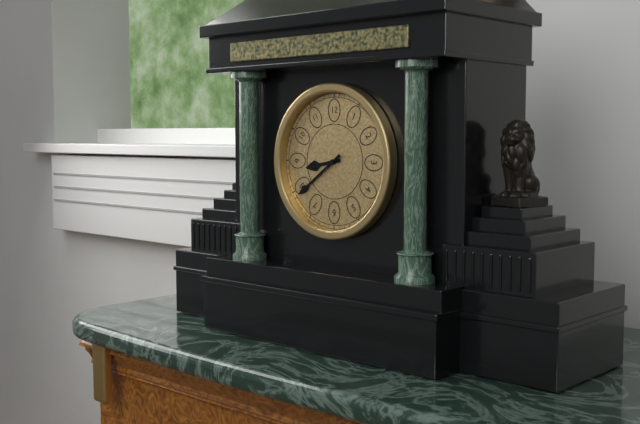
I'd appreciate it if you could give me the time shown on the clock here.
8:39
